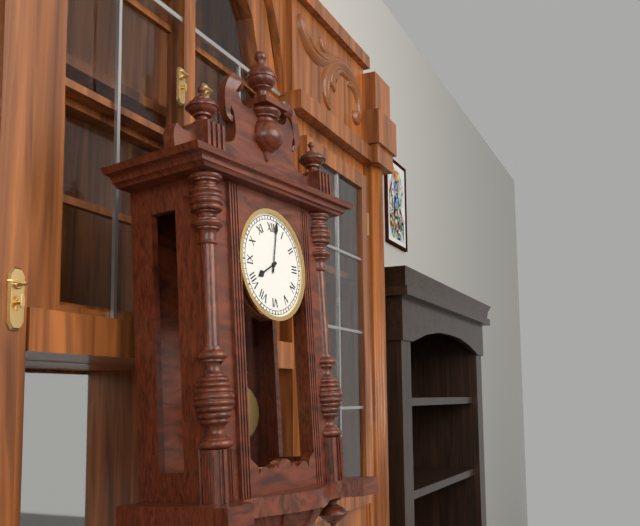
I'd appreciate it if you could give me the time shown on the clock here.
8:02
